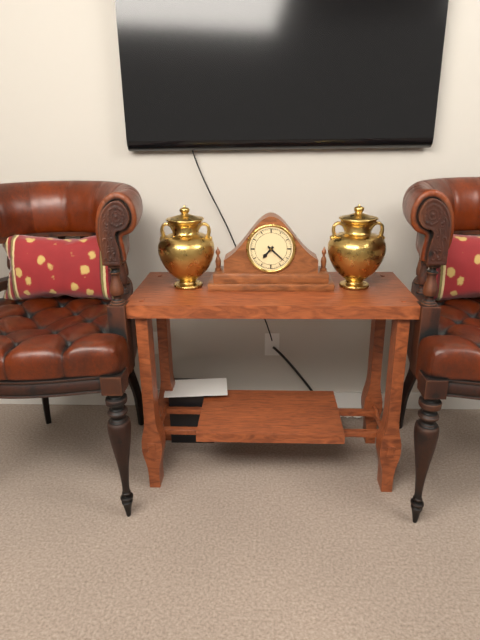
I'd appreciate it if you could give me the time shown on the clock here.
7:22
